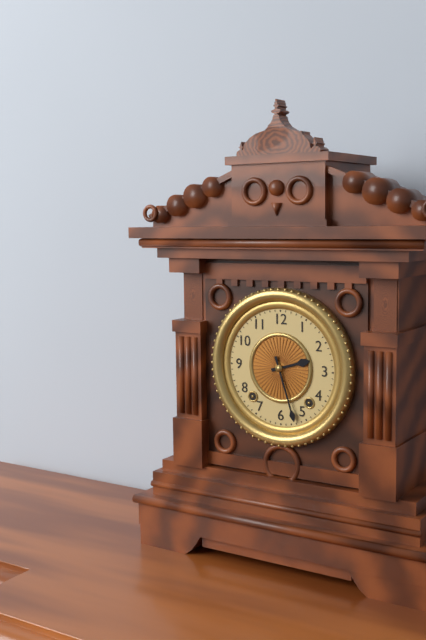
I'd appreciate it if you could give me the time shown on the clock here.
2:27
